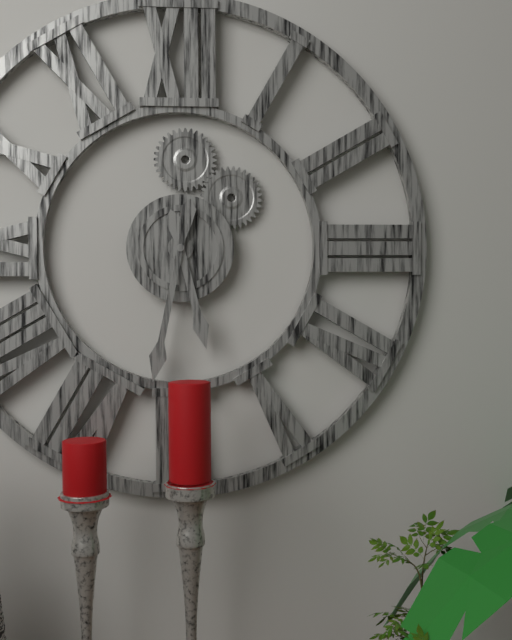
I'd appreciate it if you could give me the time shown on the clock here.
5:32
